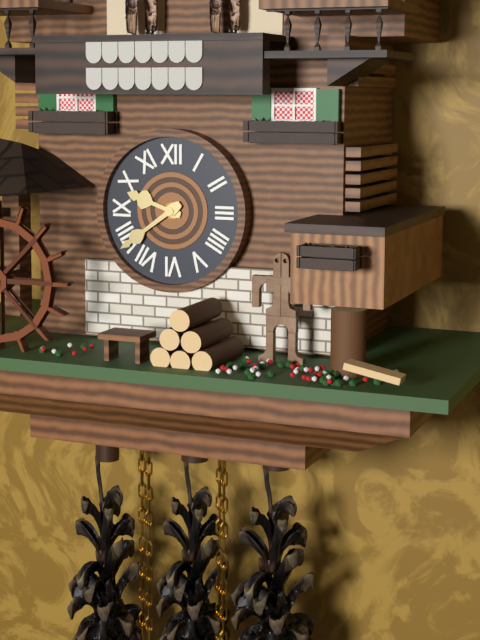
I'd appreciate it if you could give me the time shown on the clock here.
9:39
